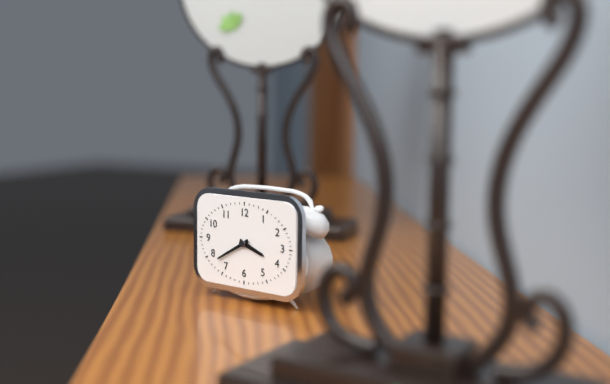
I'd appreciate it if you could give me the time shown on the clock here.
3:40
